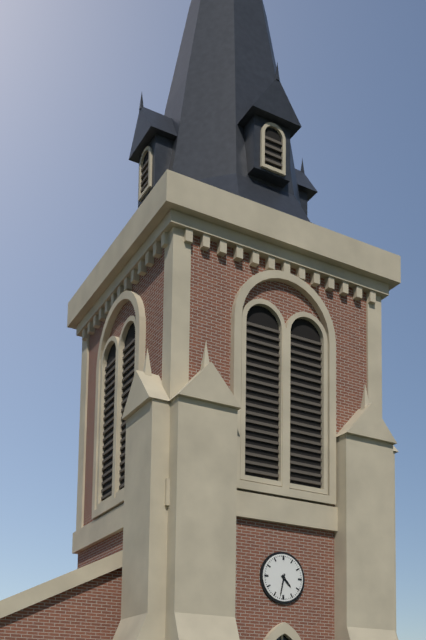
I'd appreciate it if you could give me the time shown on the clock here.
4:32
